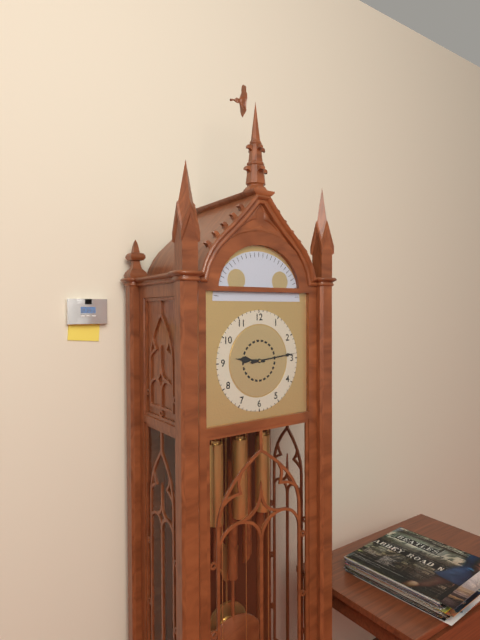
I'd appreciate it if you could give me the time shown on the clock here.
9:14
